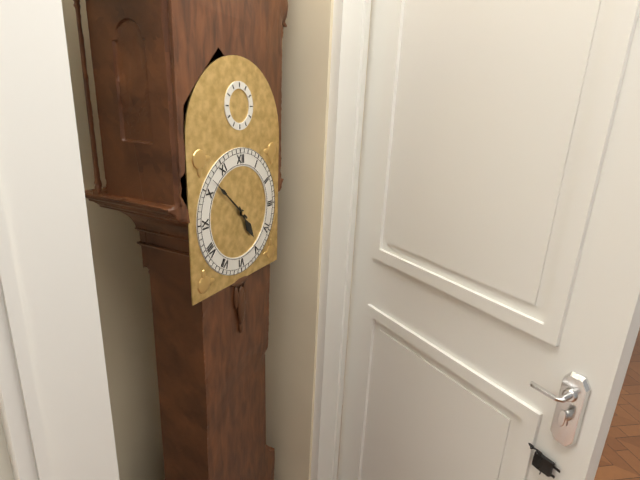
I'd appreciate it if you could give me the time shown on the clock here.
4:52
